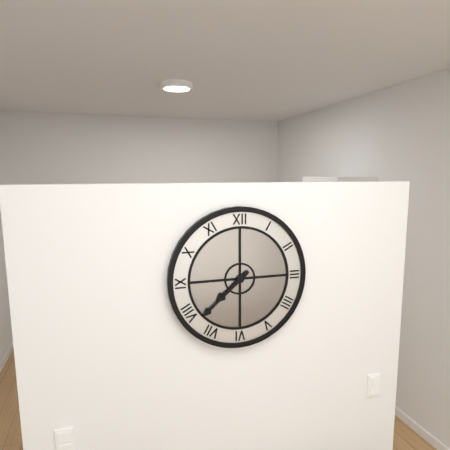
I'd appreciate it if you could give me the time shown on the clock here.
7:38
